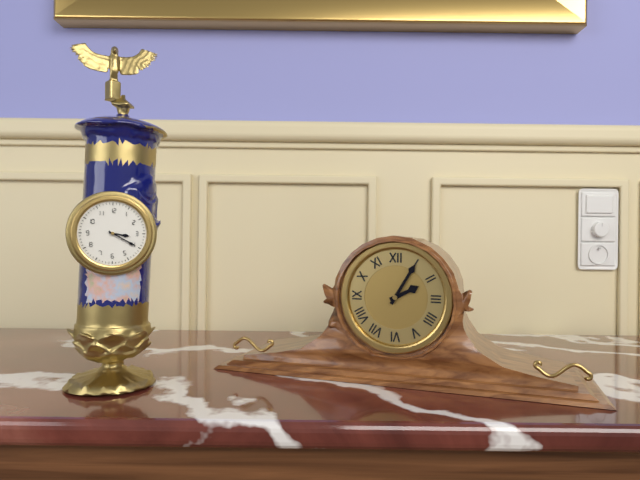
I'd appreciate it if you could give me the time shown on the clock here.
3:20
